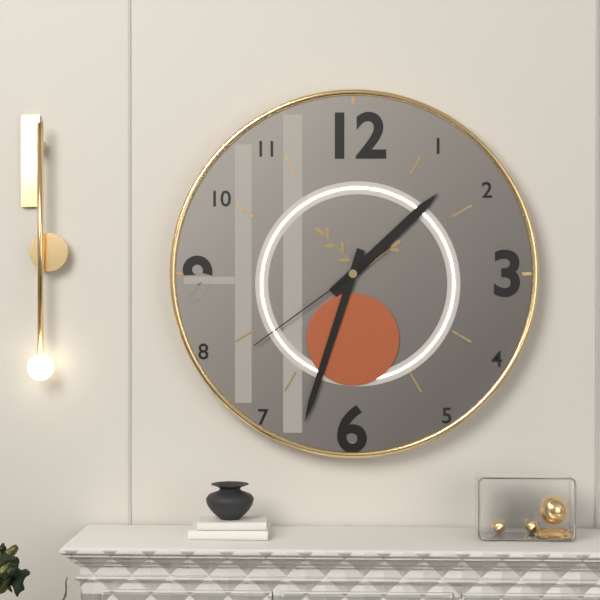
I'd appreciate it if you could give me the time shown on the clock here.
1:33:39
